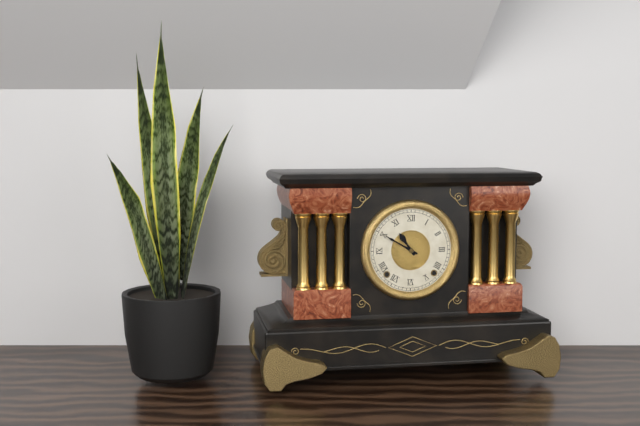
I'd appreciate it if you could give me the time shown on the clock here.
10:50
